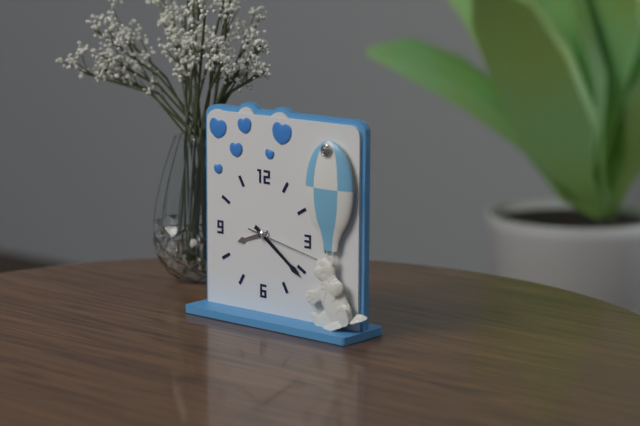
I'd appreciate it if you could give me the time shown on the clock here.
8:21:17
